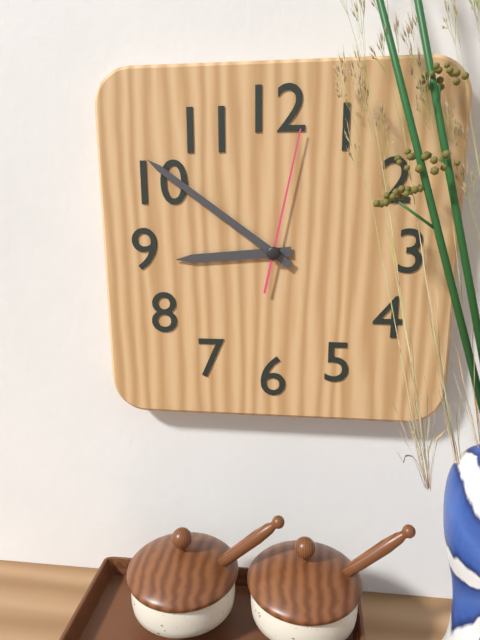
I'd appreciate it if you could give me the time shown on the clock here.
8:51:02
